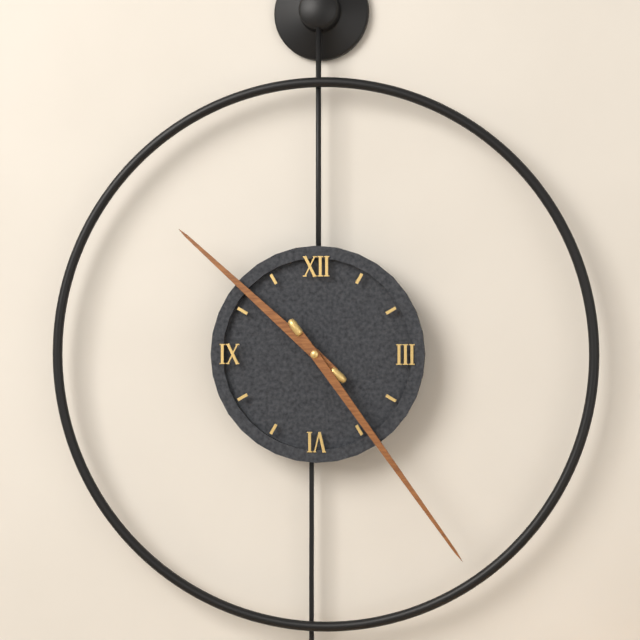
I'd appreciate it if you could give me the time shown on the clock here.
10:24
